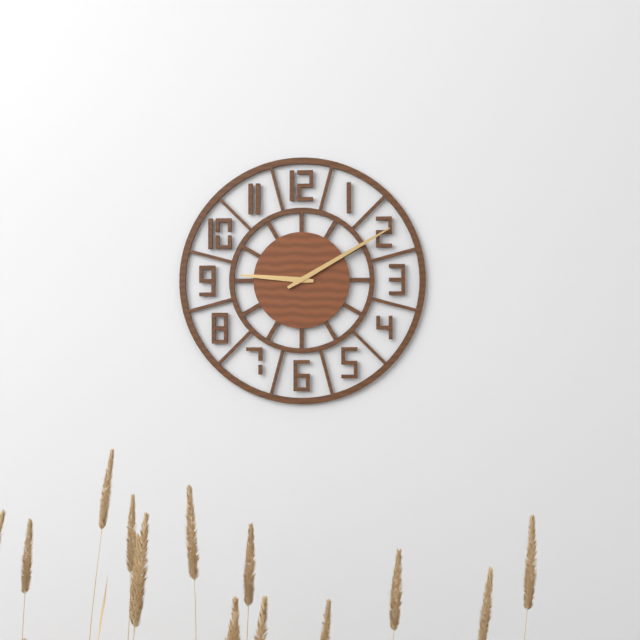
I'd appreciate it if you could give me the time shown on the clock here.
9:10
